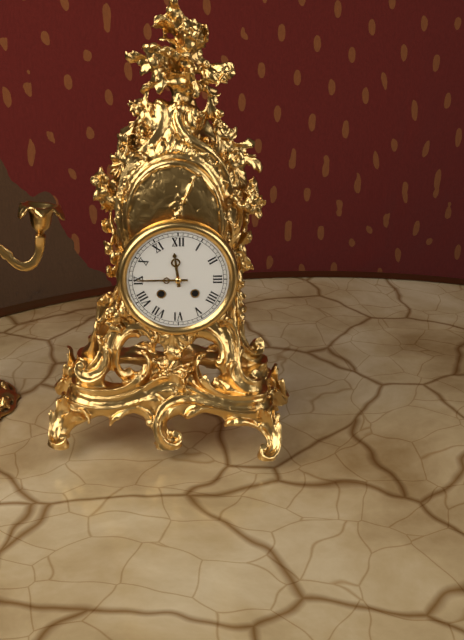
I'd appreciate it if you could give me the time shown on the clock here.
11:45
